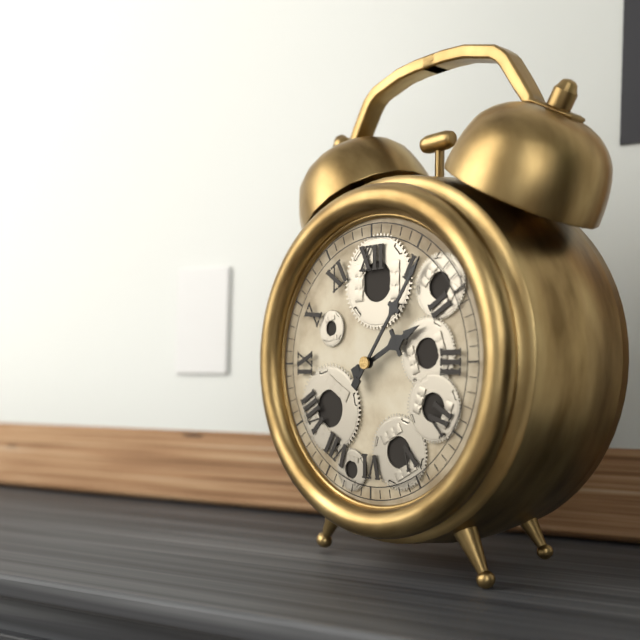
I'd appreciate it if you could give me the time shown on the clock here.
2:06
